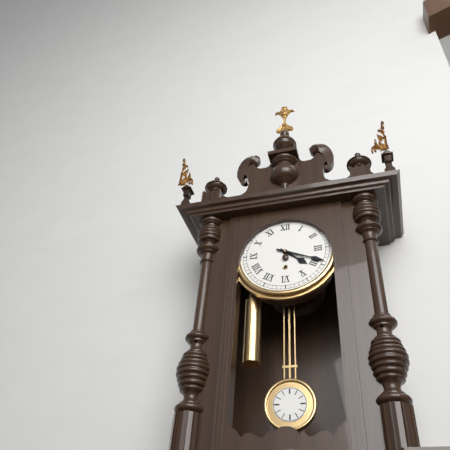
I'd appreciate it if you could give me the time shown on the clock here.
4:19
